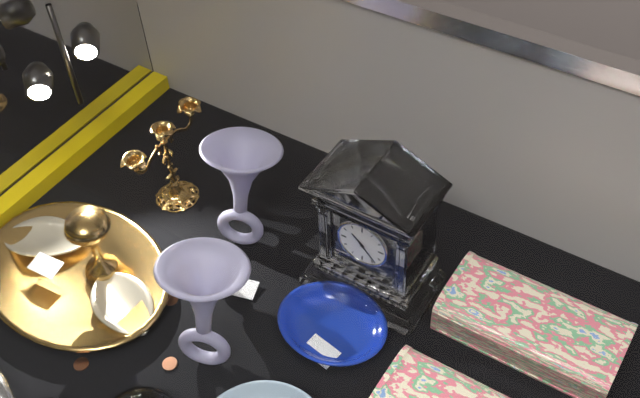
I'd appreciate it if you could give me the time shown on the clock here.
10:23
